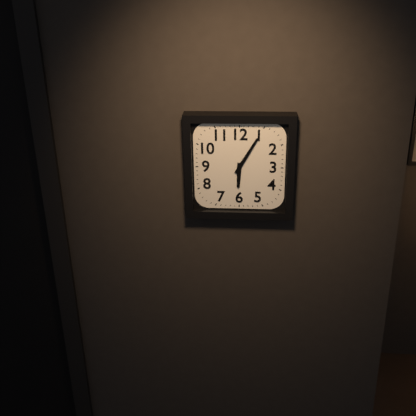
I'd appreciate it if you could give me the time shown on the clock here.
6:05
